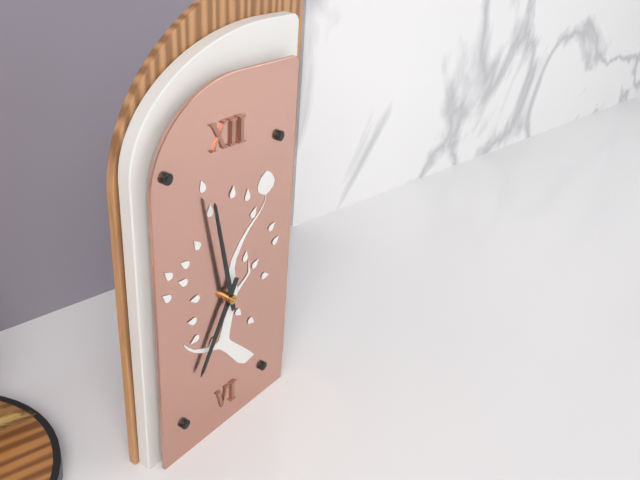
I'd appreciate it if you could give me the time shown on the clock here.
6:58
